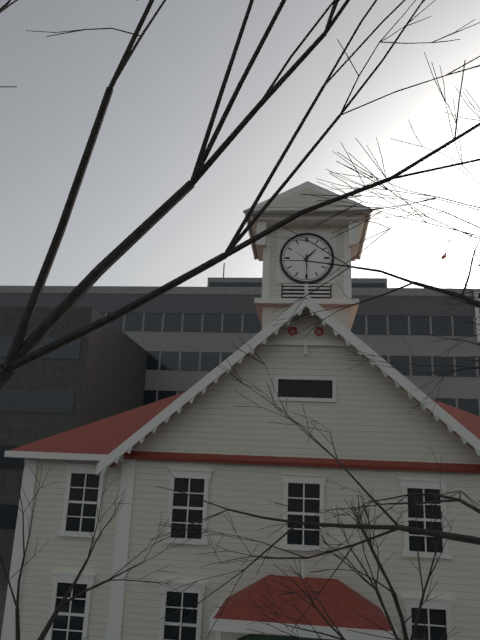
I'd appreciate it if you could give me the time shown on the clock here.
1:30
